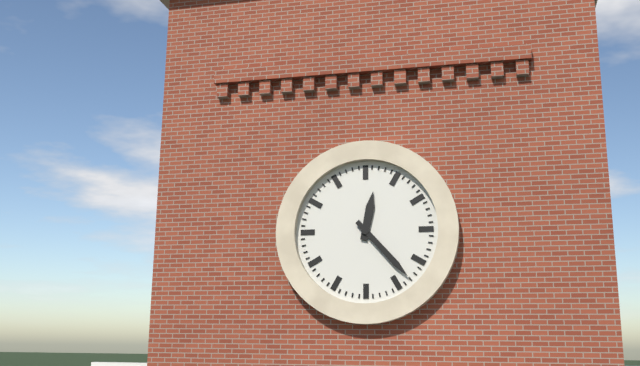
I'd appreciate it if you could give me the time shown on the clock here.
12:23
